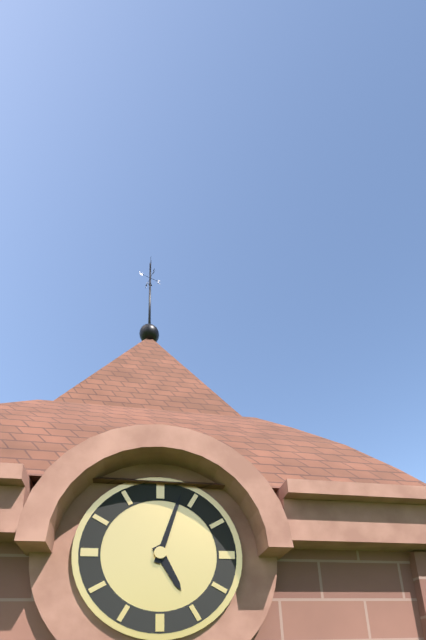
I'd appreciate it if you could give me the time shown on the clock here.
5:03
